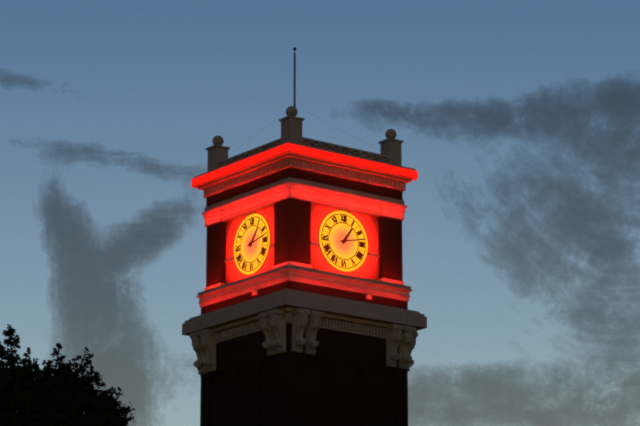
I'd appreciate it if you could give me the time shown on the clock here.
1:13
